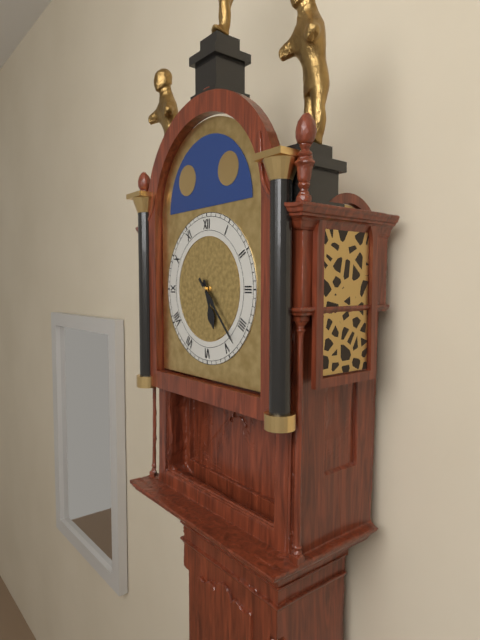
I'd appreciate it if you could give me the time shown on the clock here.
5:23
